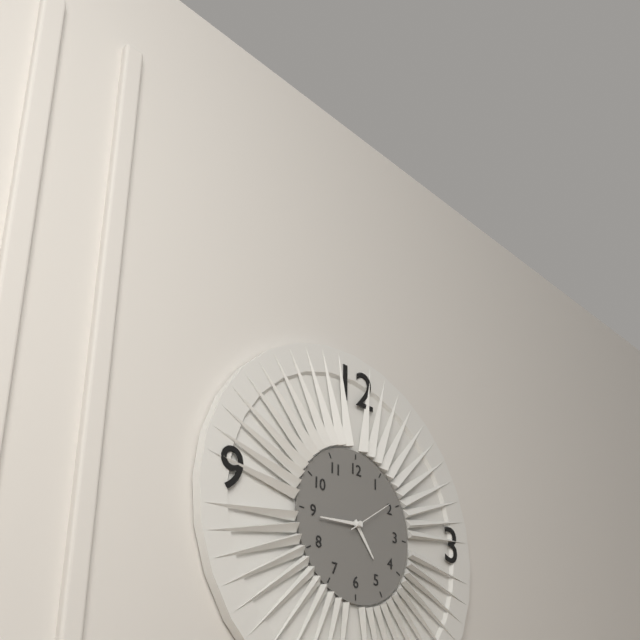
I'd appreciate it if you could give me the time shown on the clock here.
4:44
